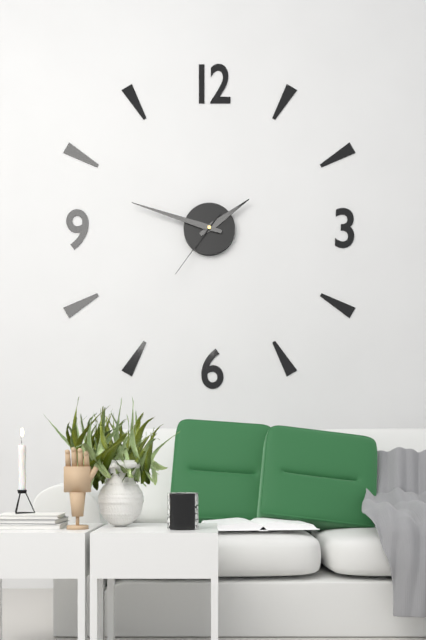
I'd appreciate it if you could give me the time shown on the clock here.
1:48:36
